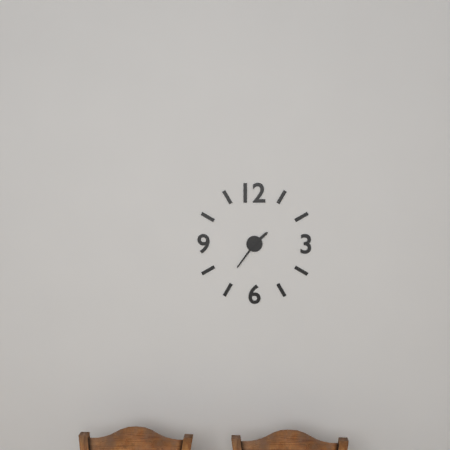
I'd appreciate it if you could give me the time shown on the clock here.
1:36
